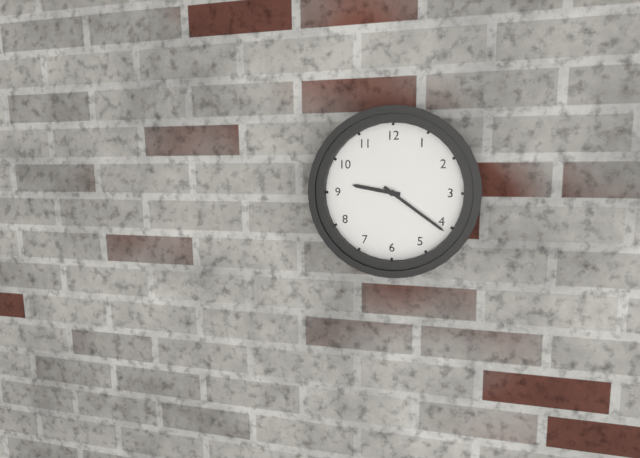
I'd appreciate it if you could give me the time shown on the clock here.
9:21
